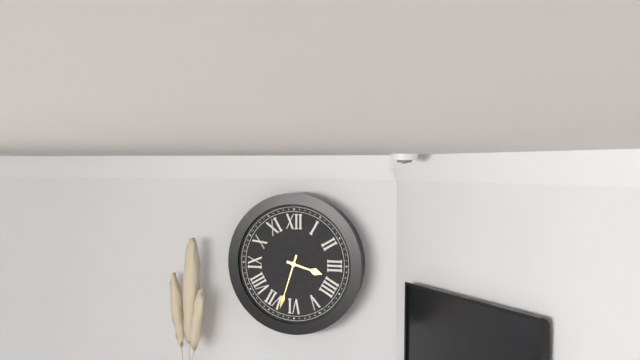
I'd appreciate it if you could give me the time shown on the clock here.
3:33
